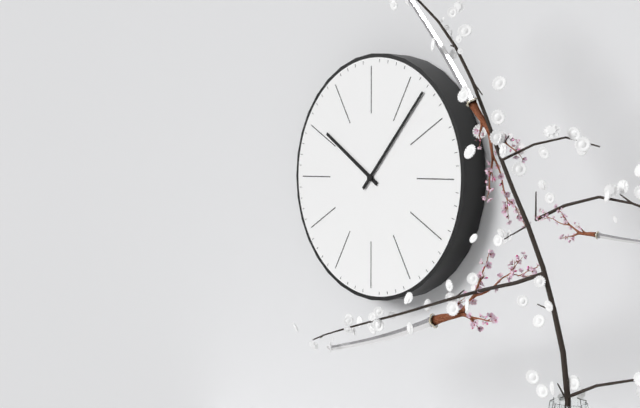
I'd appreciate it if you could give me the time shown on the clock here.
10:07
